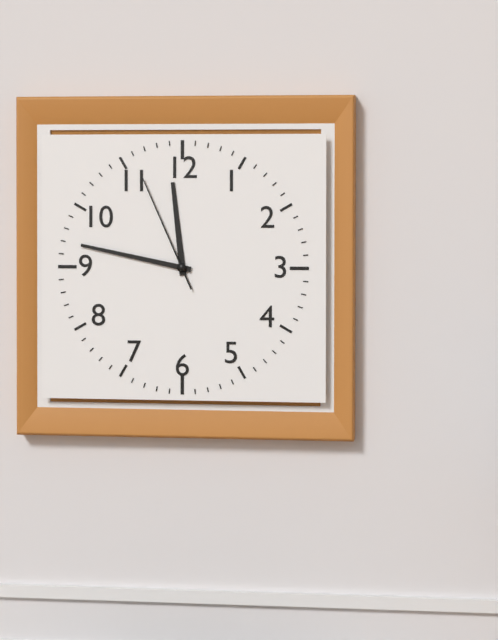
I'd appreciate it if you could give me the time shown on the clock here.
11:47:56
